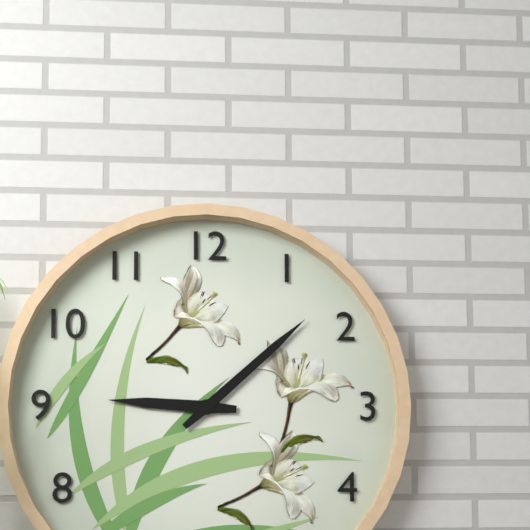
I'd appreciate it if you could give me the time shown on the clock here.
9:08
